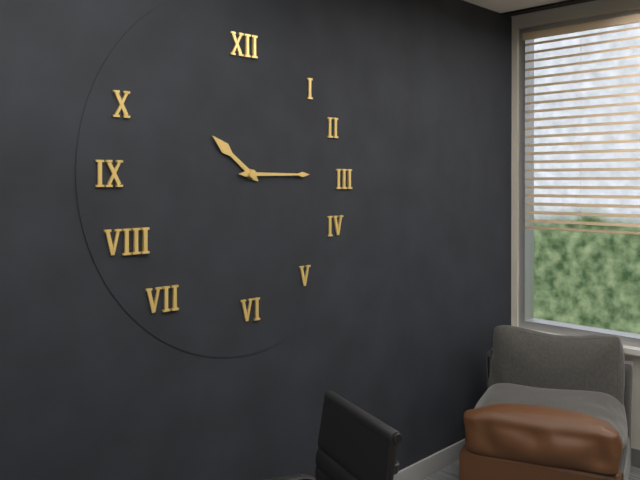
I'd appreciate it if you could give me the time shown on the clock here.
10:15
